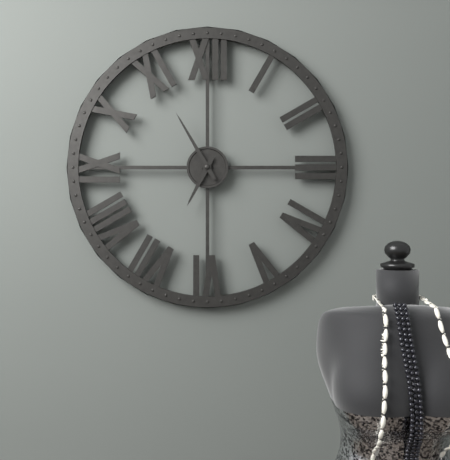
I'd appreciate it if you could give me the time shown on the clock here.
6:55
